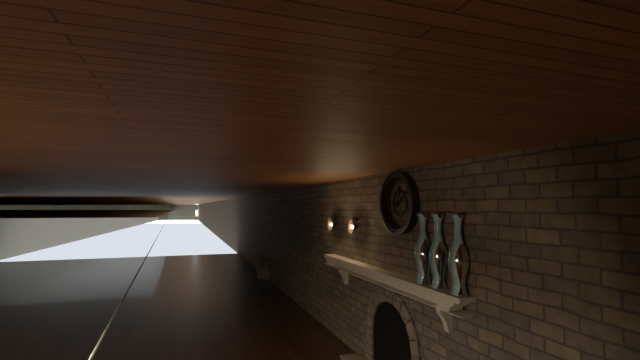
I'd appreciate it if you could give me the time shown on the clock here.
12:10
